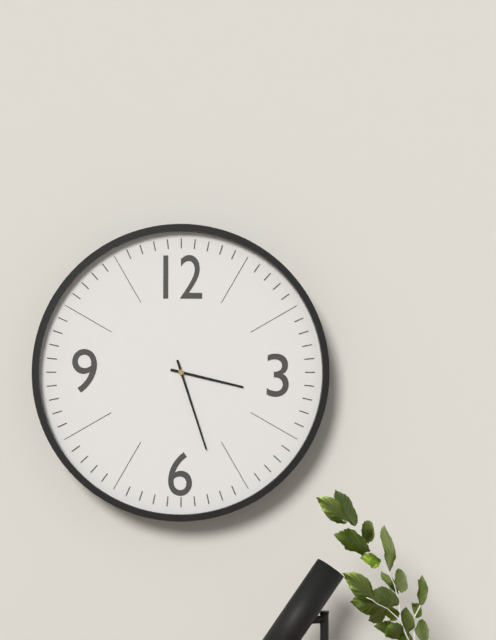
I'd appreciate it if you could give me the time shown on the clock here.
3:27
